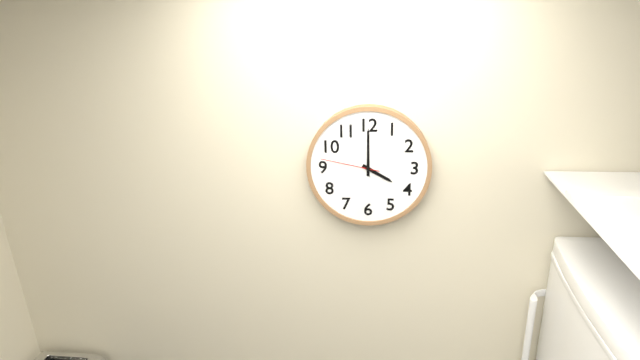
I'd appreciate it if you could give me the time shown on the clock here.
4:00:47
